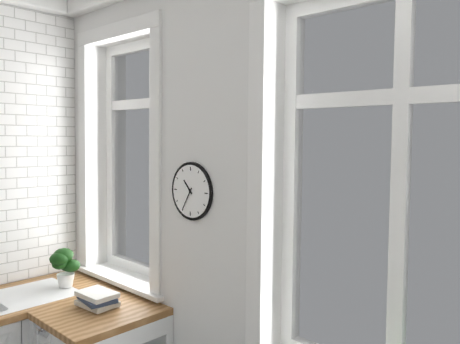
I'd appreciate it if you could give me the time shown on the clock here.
10:35
